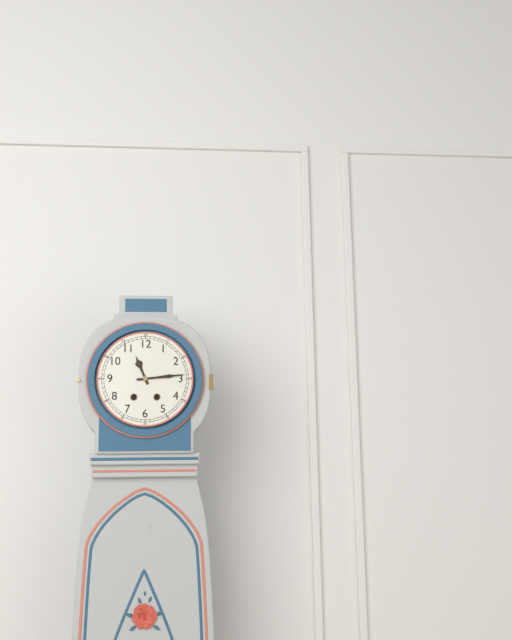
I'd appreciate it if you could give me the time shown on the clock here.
11:14
